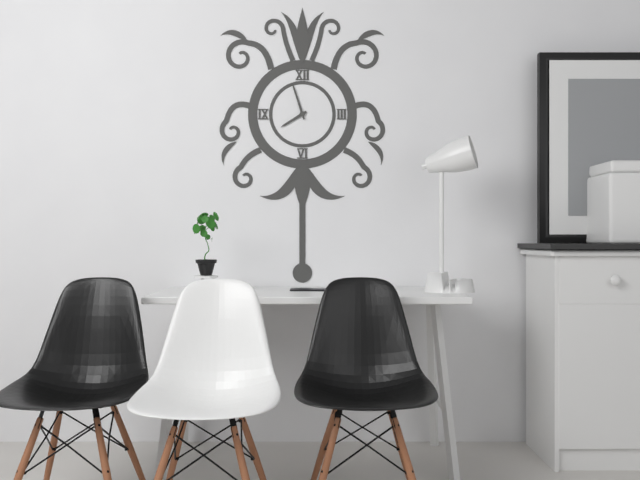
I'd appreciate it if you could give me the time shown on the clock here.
7:57
